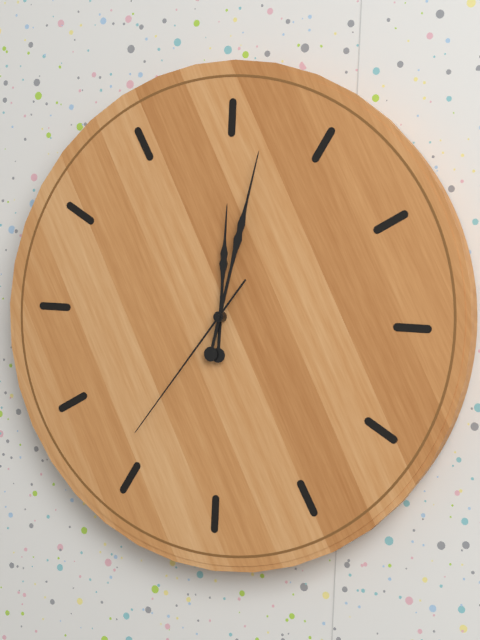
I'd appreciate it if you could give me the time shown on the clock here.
12:02:36
